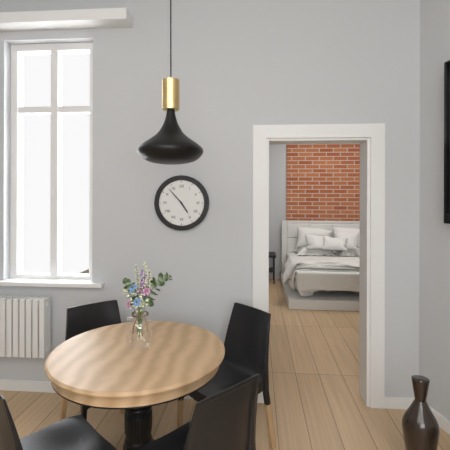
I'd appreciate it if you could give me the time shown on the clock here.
4:53
